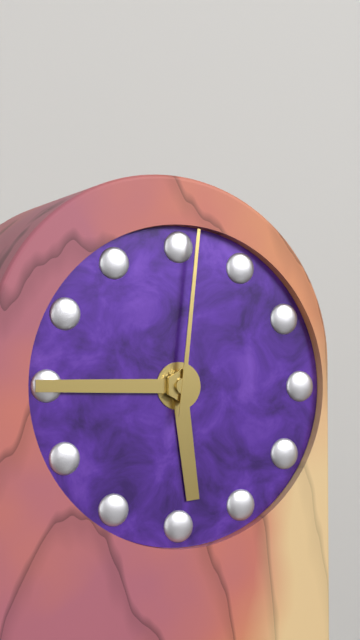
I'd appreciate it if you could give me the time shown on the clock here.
5:45:01
